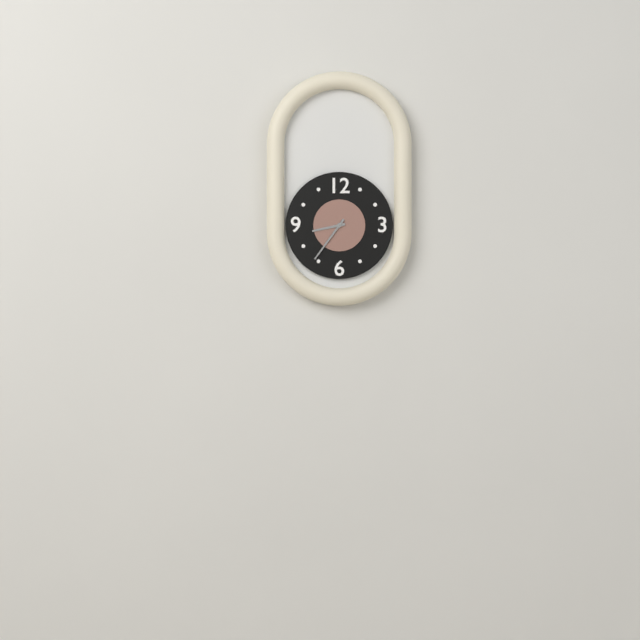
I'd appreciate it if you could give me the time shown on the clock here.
8:36
